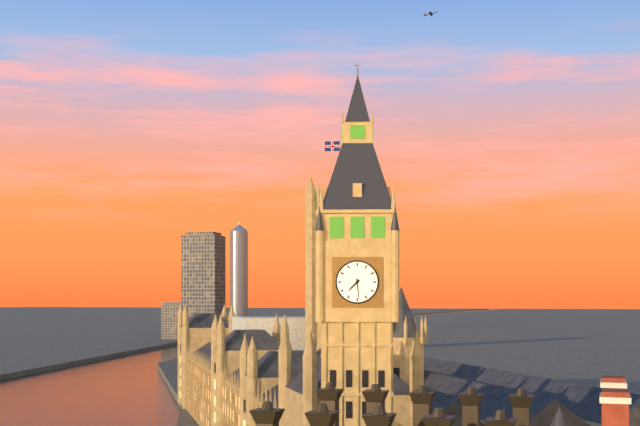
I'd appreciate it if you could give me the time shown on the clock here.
7:29
